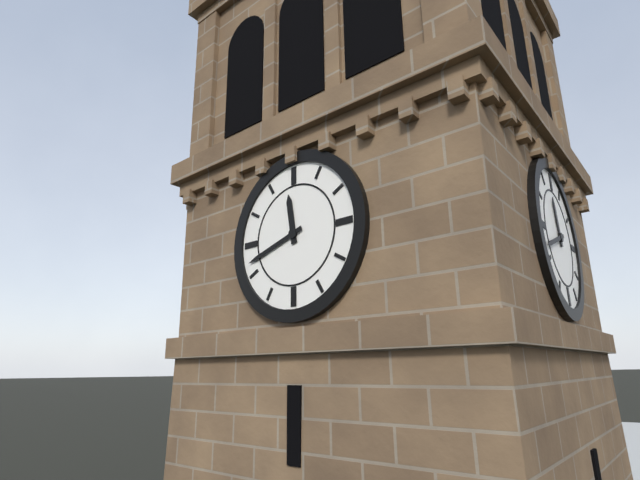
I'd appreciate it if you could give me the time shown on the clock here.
11:42
